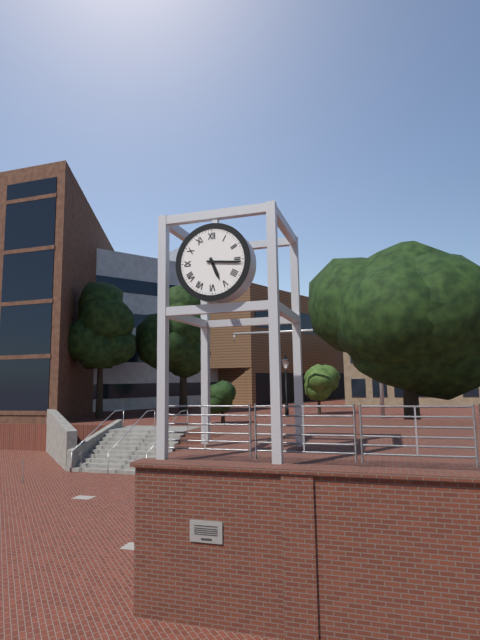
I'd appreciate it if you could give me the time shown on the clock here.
5:16
